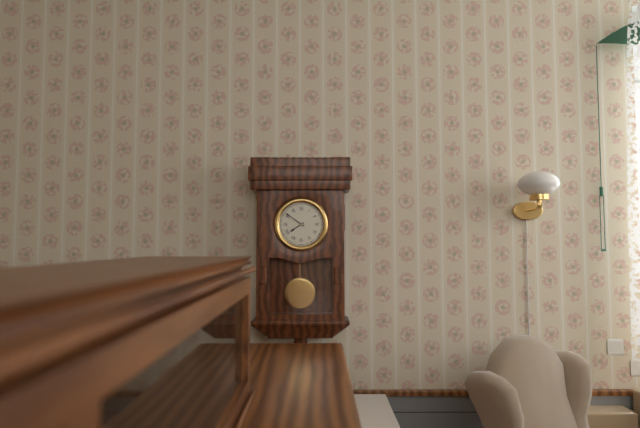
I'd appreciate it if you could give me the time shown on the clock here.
7:51
